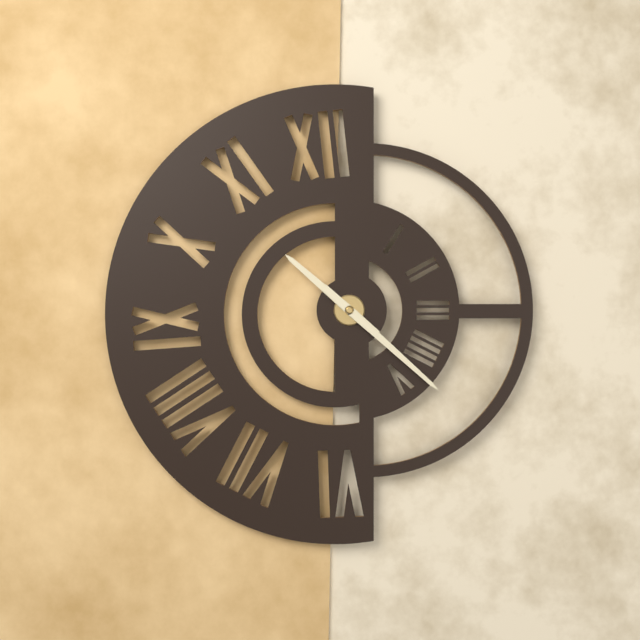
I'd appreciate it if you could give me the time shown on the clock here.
10:22
